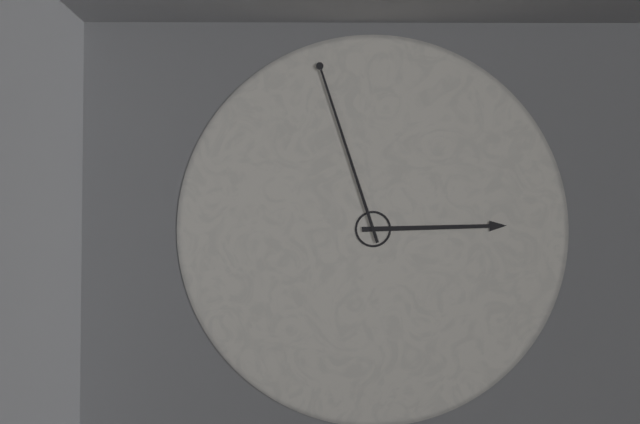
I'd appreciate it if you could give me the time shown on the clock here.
2:57
